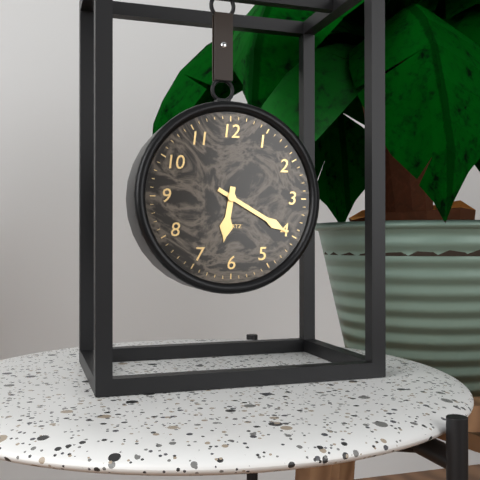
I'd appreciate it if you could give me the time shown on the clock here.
6:20
